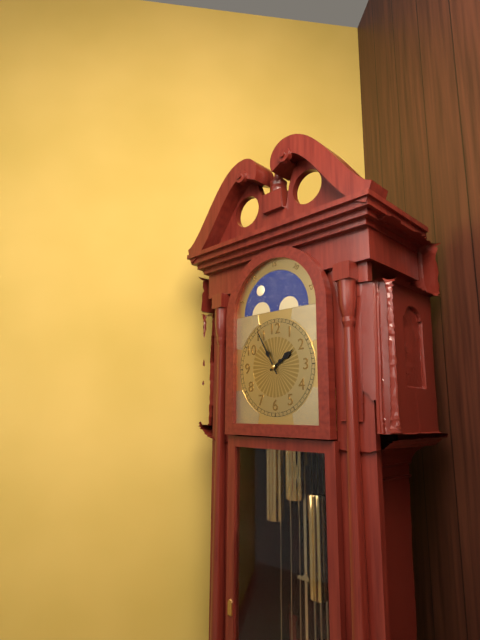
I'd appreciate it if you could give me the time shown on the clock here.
1:55
